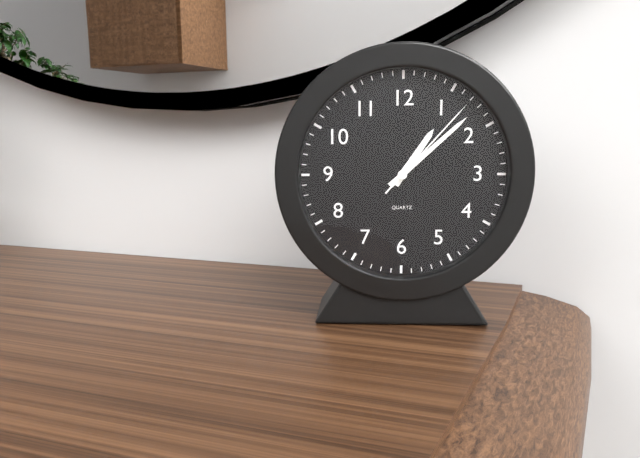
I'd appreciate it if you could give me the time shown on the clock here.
1:08:07
